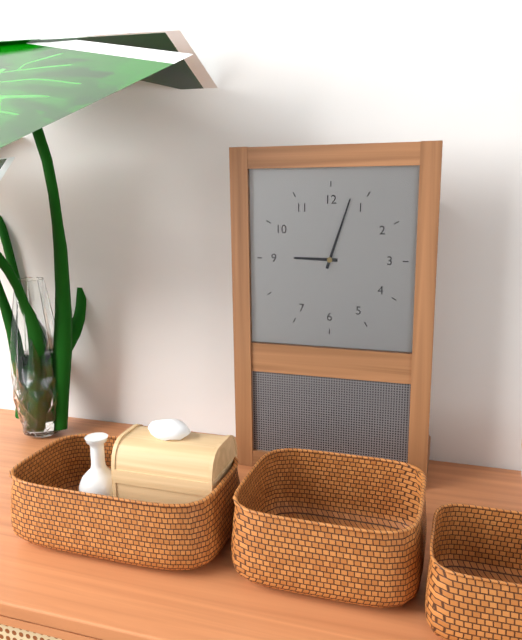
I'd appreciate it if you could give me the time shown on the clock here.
9:03
